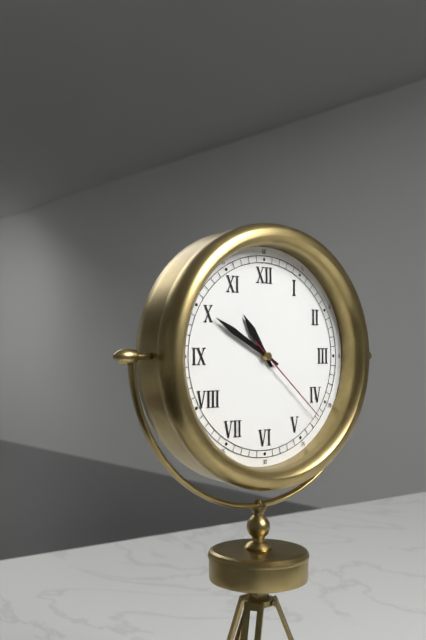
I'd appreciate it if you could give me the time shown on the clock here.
10:50:22
